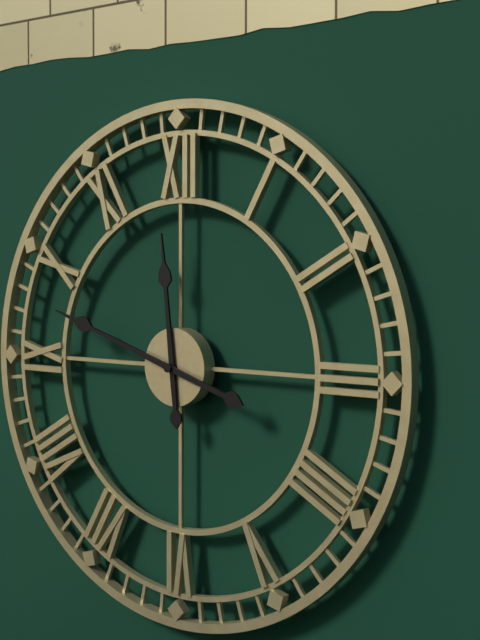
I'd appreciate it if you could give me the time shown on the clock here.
11:48
